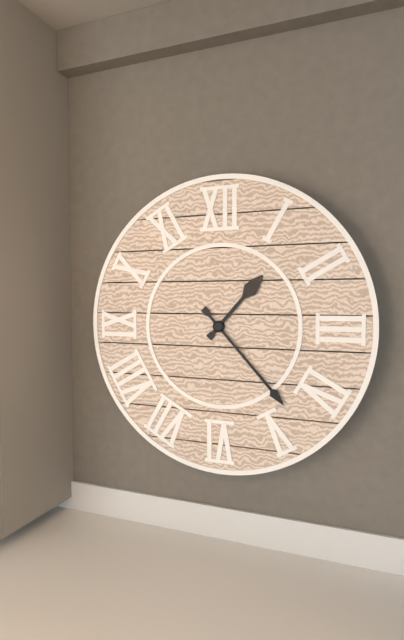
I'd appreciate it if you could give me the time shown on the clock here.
1:23
